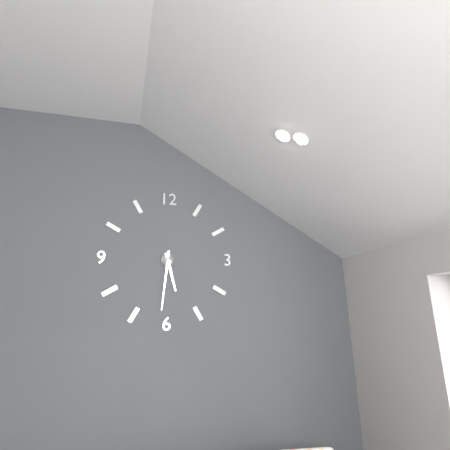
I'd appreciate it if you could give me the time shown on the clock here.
5:31
